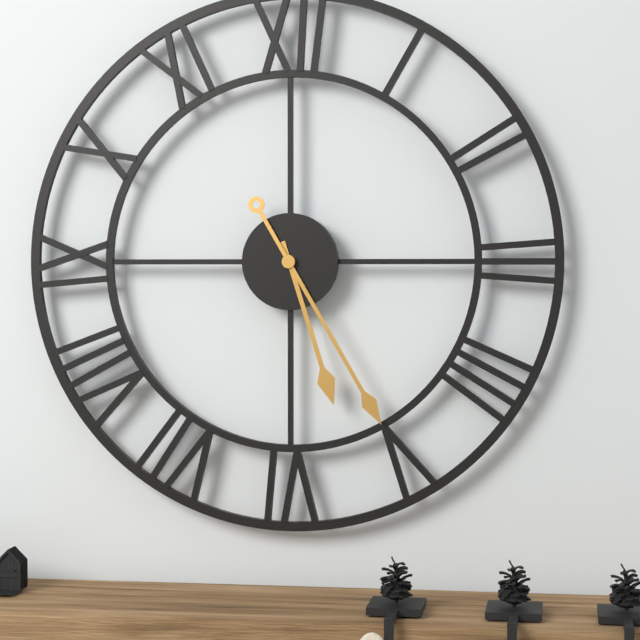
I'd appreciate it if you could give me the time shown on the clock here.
5:25
